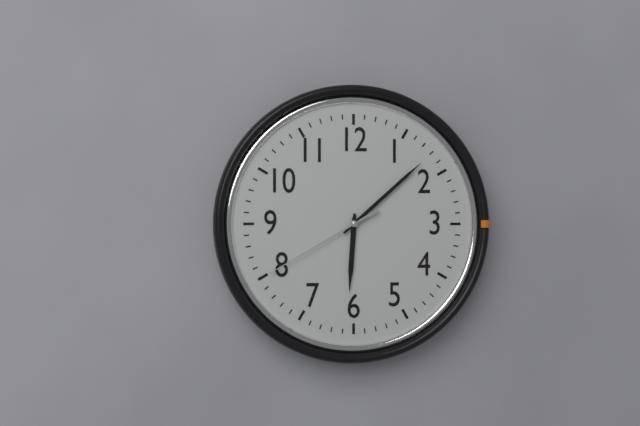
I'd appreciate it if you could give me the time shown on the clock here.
6:08:40
